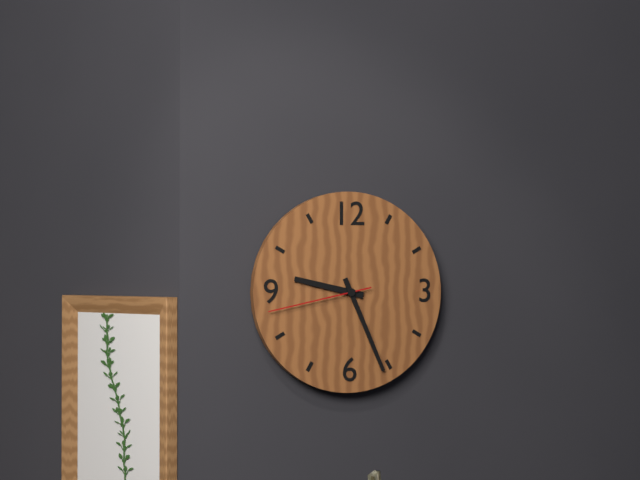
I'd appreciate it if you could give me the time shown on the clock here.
9:26:43
